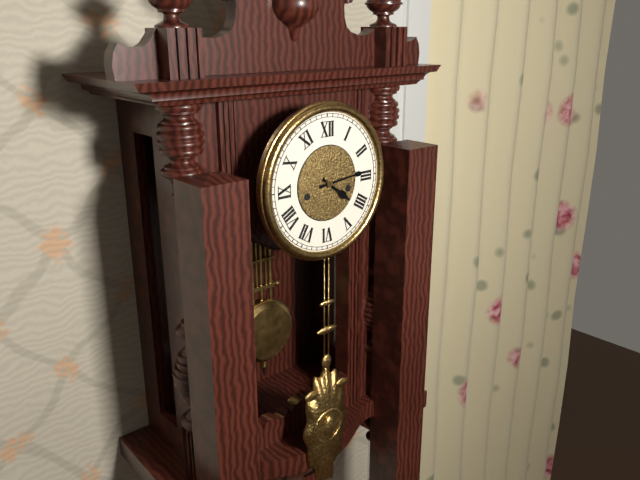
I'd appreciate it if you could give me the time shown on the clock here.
4:14
